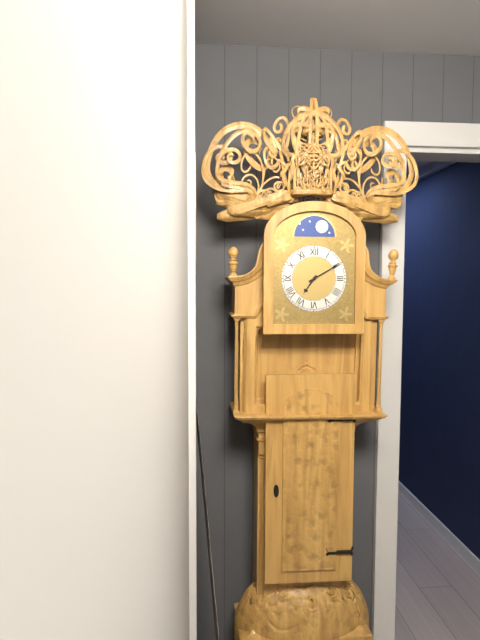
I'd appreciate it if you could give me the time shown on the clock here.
7:10
